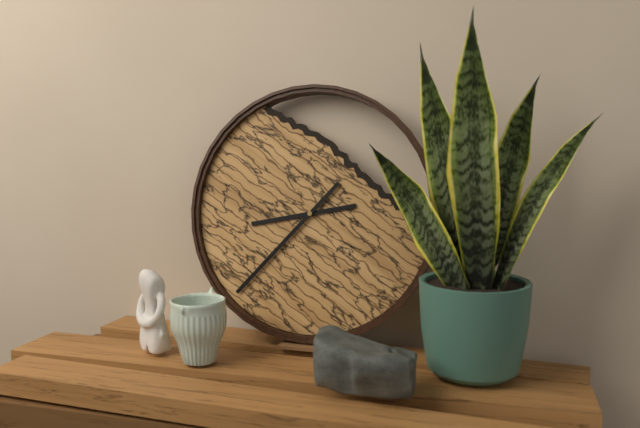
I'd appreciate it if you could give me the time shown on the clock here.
8:37
